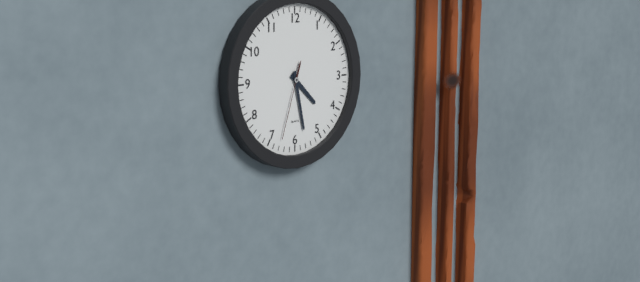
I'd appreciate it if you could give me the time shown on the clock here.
4:28:33
